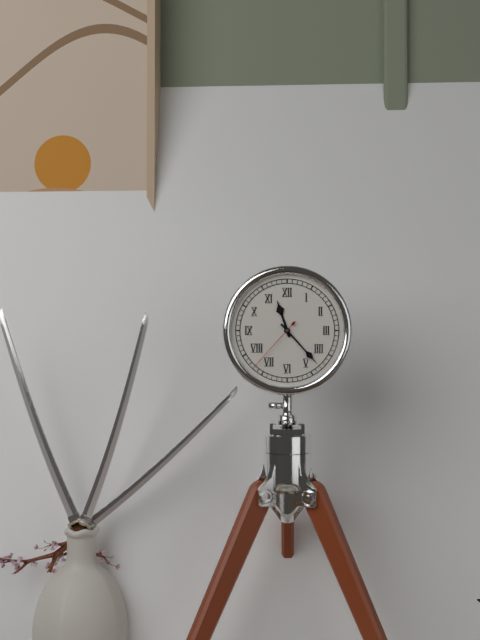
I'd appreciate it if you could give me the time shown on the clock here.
11:23:37
